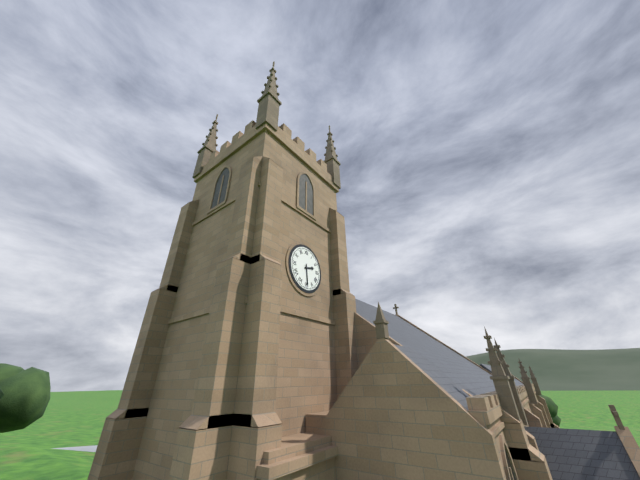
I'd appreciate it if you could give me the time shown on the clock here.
2:29
